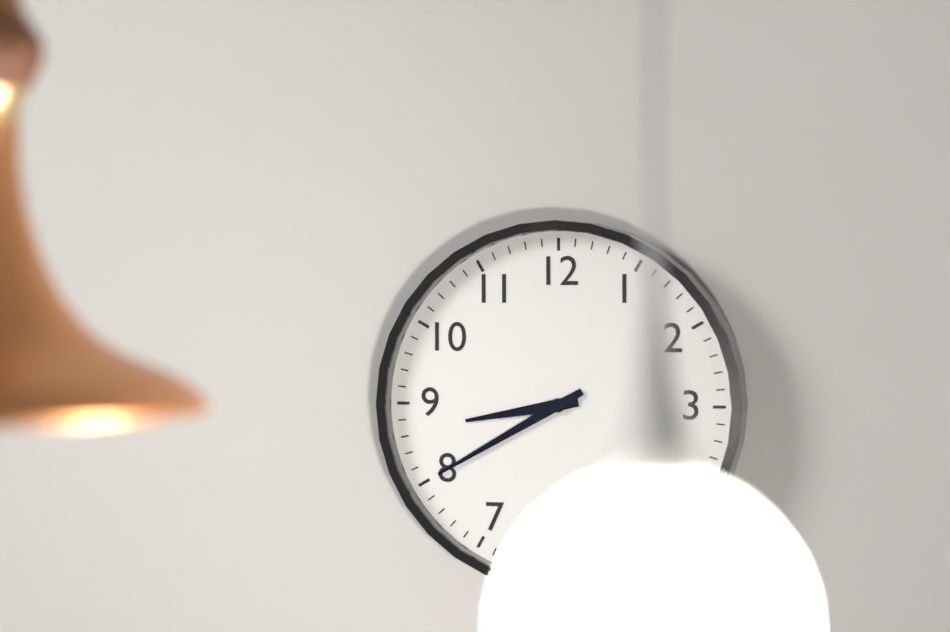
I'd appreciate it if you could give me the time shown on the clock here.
8:40
